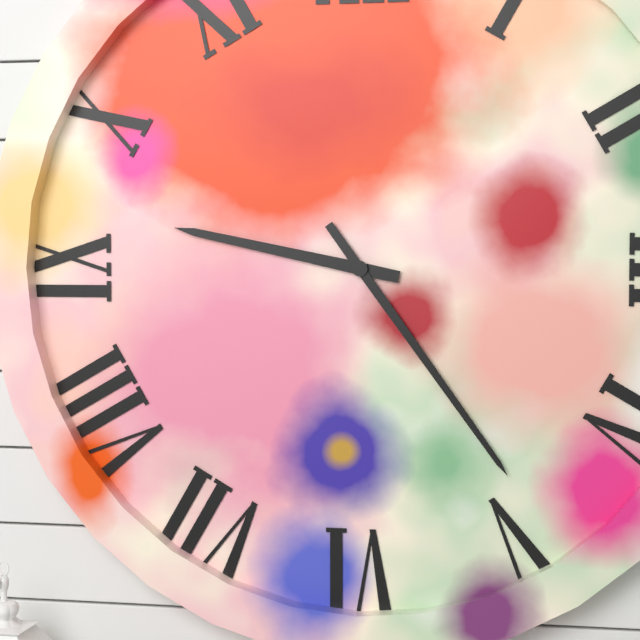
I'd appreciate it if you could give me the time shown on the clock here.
9:24
